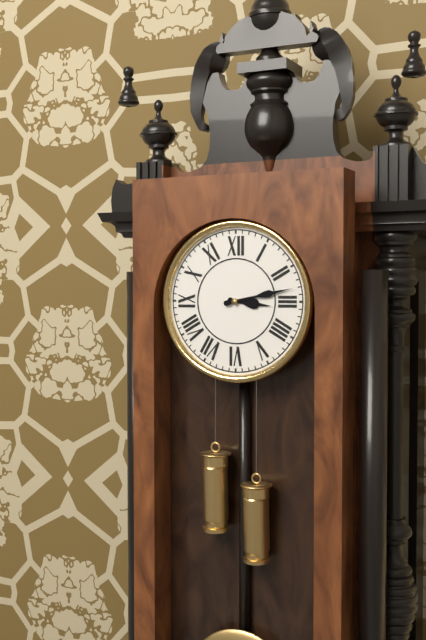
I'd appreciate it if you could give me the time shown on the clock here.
3:13
